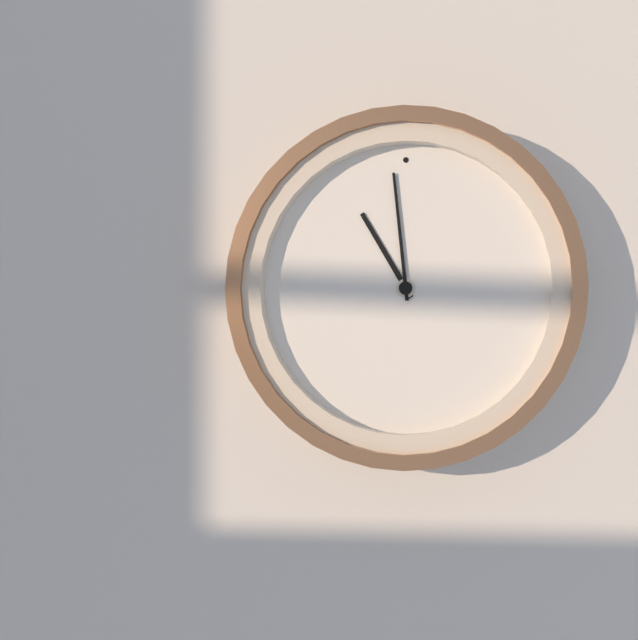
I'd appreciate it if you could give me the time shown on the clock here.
10:59
